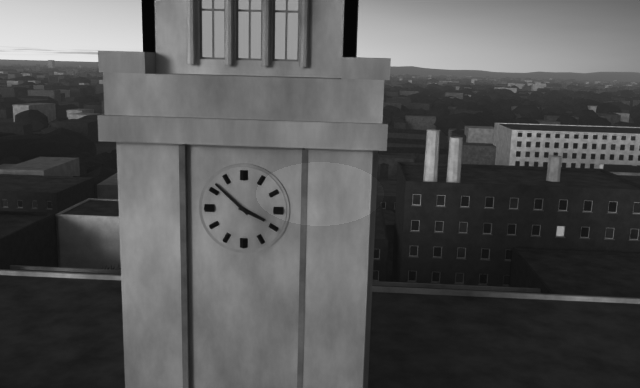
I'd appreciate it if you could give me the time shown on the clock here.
3:52
